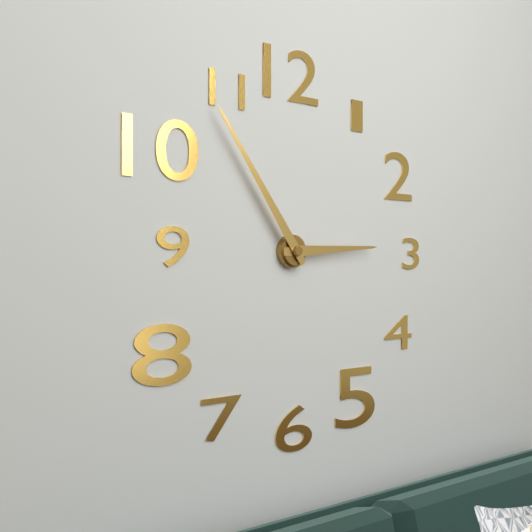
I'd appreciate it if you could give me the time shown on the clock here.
2:54
